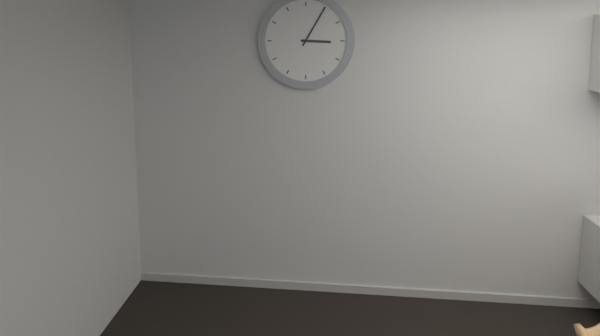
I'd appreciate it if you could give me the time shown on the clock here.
3:05
